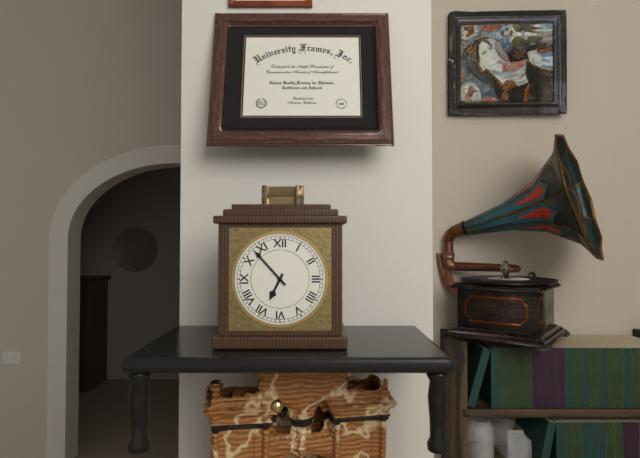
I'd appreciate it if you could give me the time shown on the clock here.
6:53
